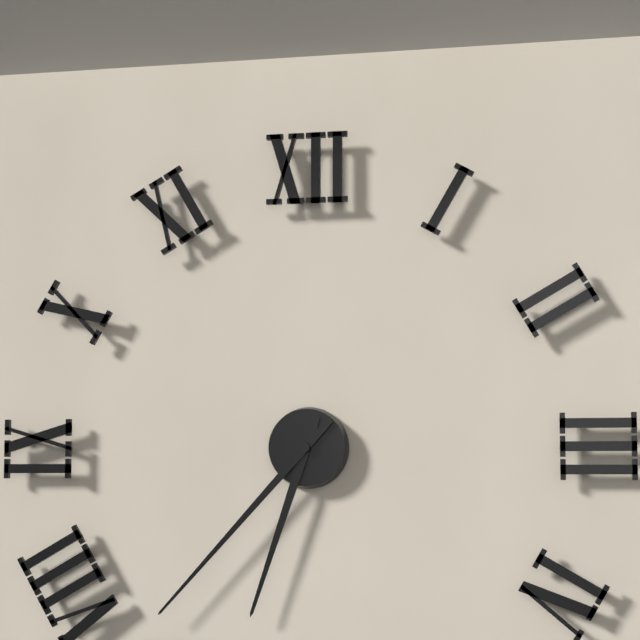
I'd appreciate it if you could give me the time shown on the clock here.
6:37
